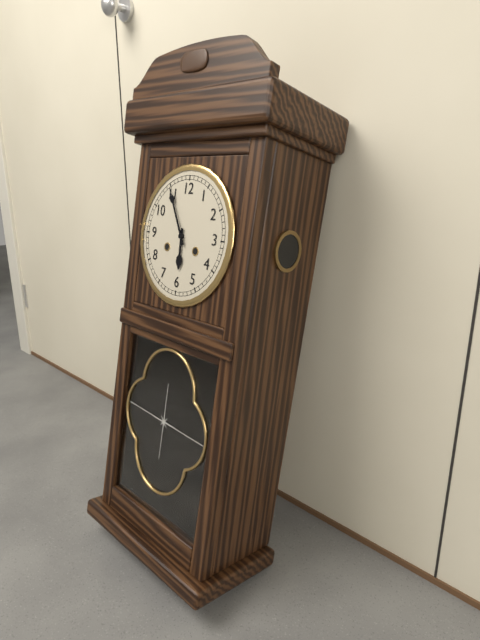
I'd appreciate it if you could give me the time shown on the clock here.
5:55
